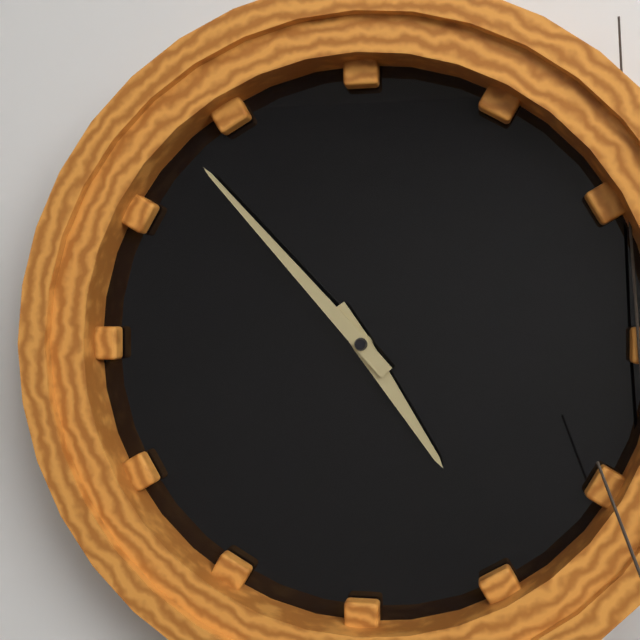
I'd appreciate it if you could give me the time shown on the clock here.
4:53
